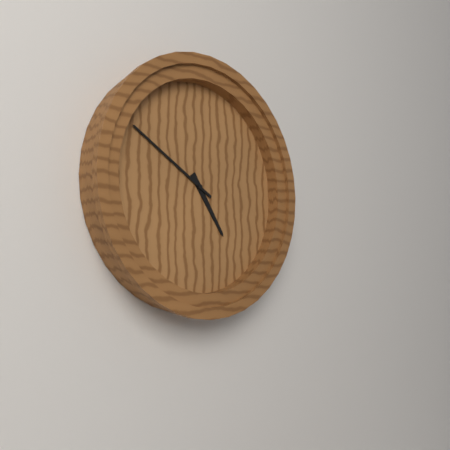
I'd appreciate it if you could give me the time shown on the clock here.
4:50
